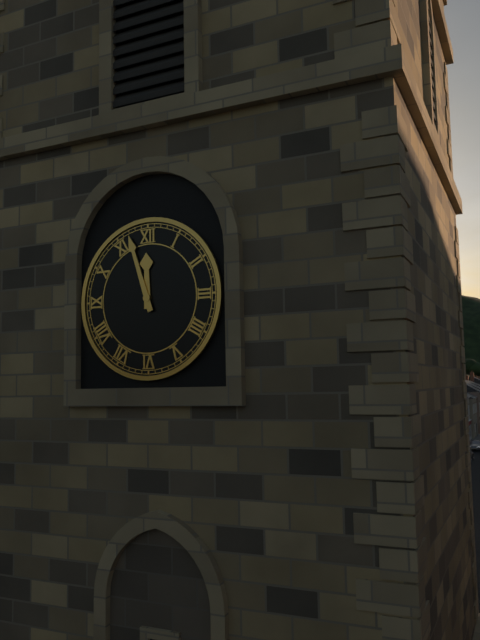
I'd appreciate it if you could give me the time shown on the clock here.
11:57
